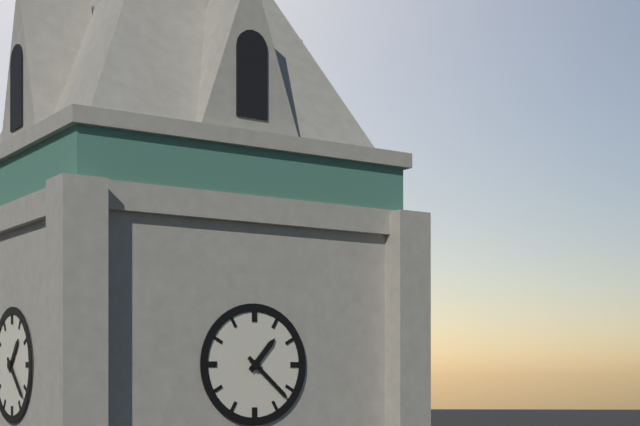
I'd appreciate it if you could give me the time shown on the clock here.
1:22
